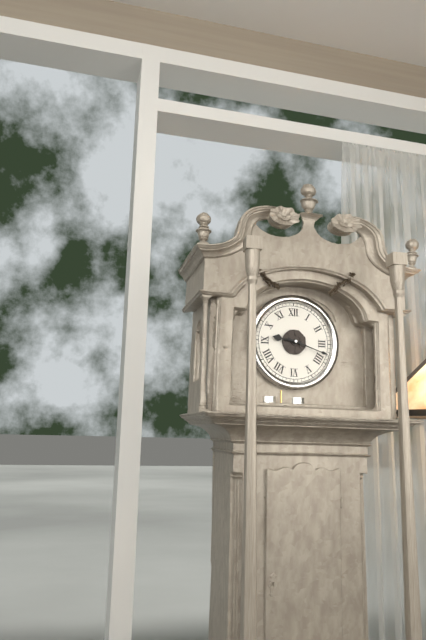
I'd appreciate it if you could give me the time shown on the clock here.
9:18
